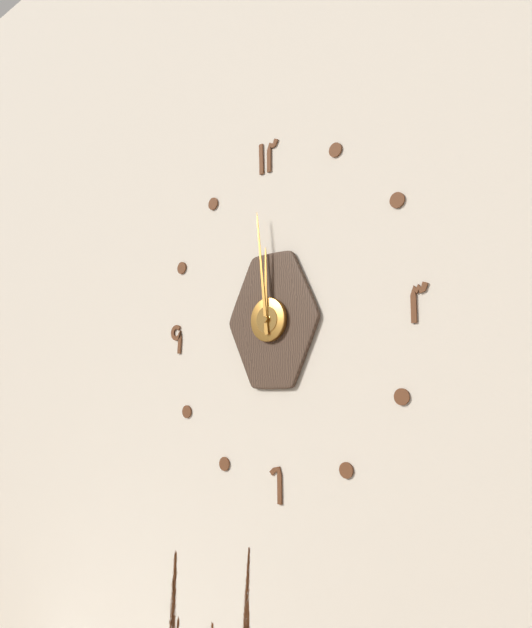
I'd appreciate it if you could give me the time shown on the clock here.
11:59
